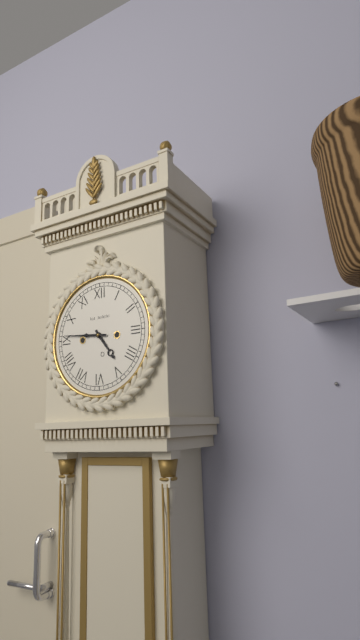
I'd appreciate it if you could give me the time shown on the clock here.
4:46
